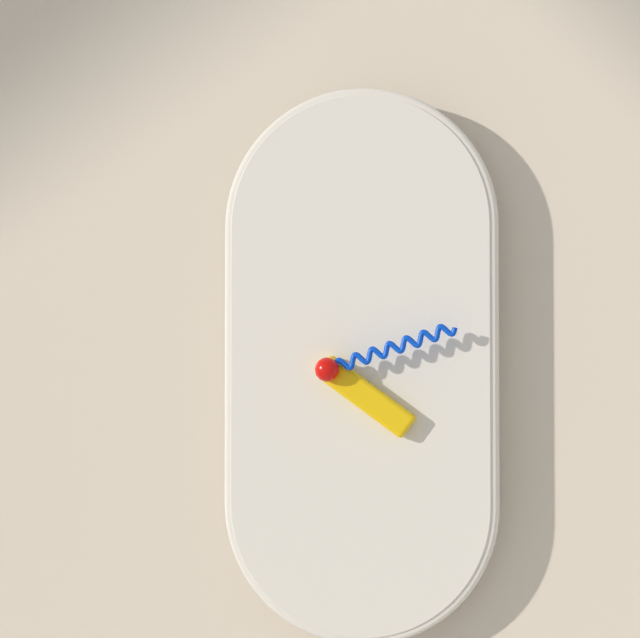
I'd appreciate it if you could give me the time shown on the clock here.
4:12
